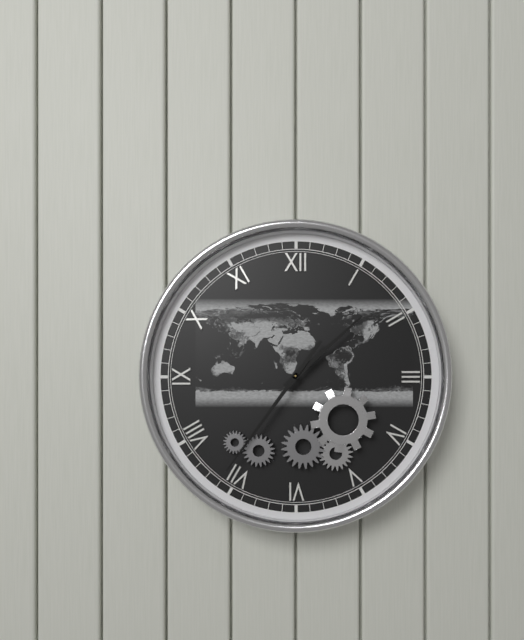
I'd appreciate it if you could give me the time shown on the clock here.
1:36
